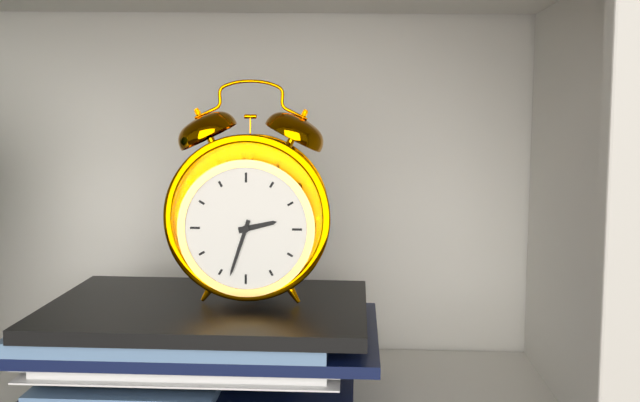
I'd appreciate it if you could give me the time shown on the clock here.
2:33
